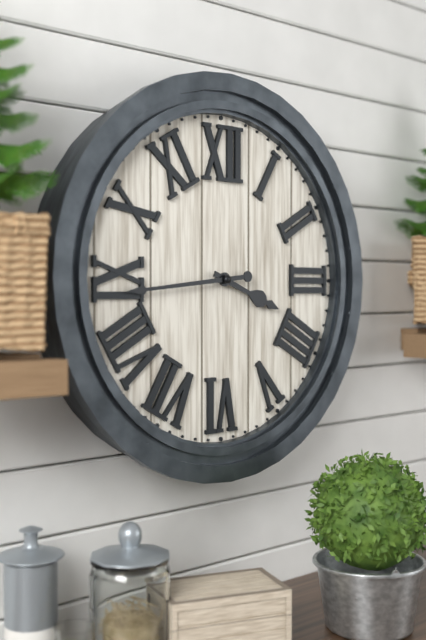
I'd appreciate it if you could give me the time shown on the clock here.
3:44
